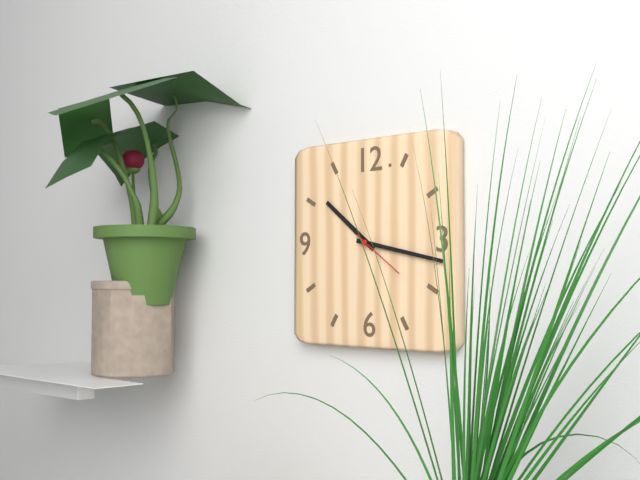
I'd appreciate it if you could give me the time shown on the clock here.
10:17:21
